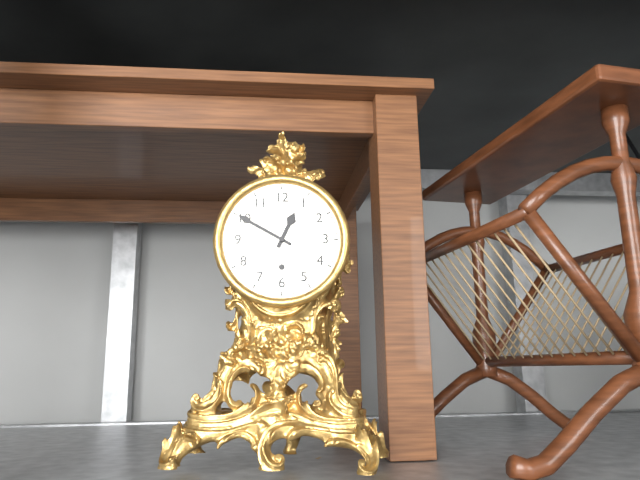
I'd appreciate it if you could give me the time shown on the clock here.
12:50
